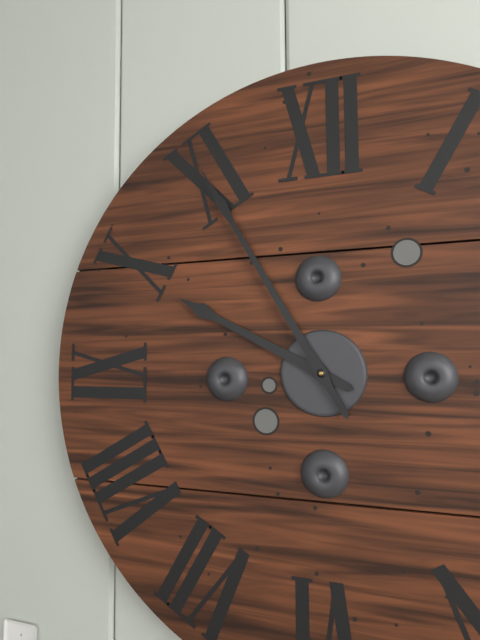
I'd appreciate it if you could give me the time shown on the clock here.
9:55
